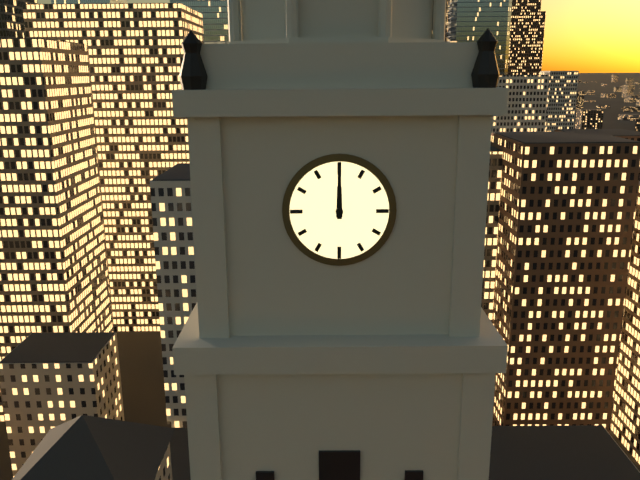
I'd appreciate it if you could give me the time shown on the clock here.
12:00
